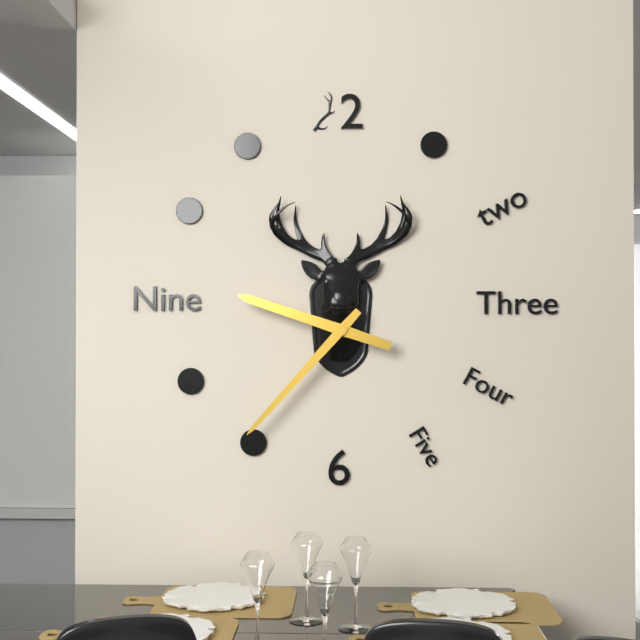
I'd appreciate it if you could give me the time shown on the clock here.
9:37
